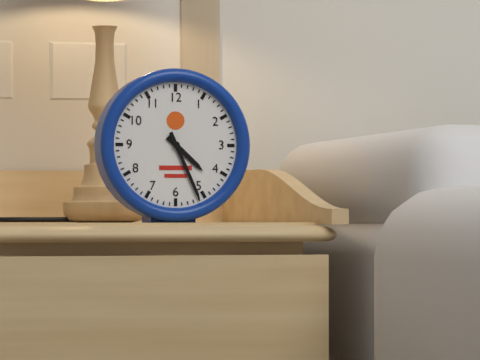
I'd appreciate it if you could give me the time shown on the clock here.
4:26
